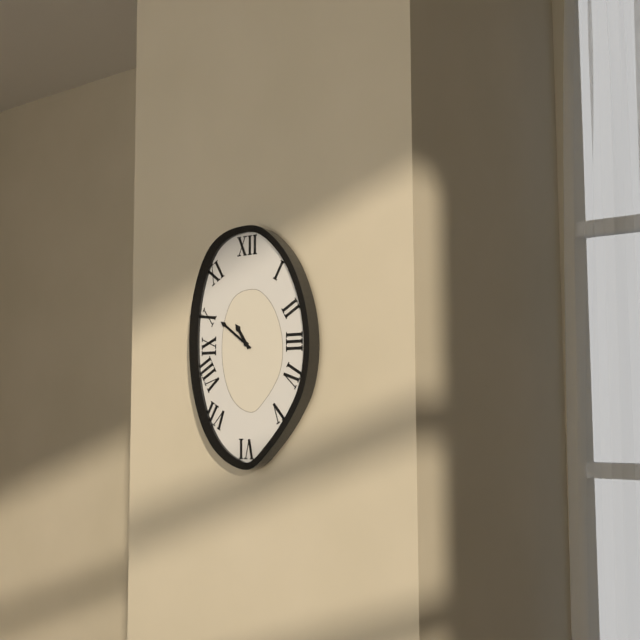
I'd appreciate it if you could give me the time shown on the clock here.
10:51
